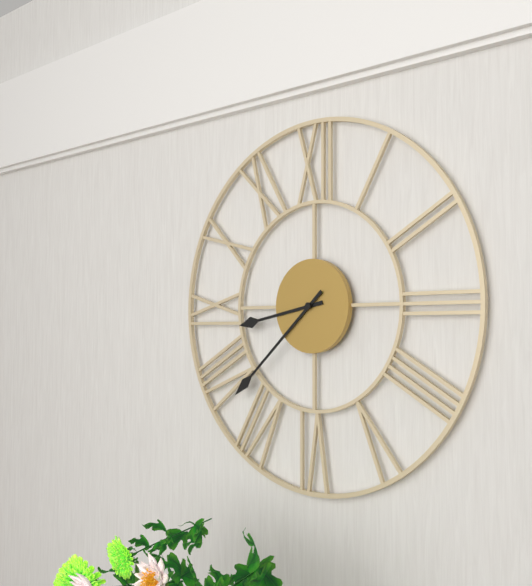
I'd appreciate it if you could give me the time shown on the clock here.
8:38
